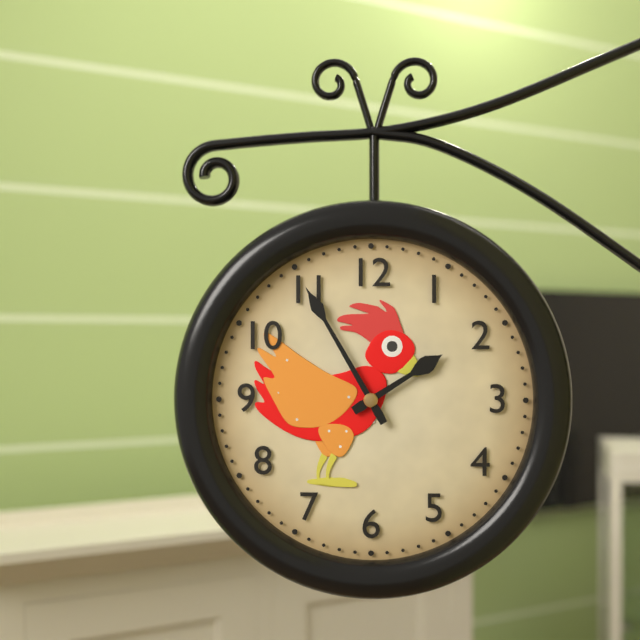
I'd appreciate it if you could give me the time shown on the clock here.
1:55
